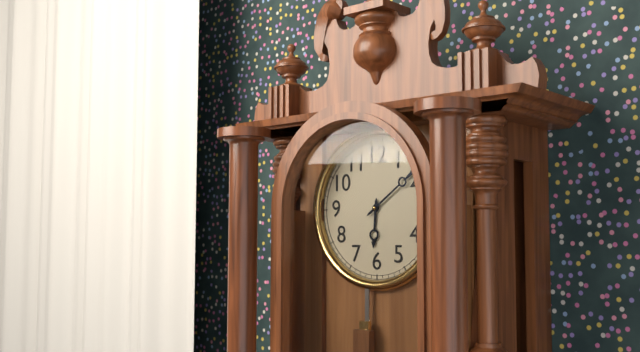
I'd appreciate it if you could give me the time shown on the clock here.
6:09
